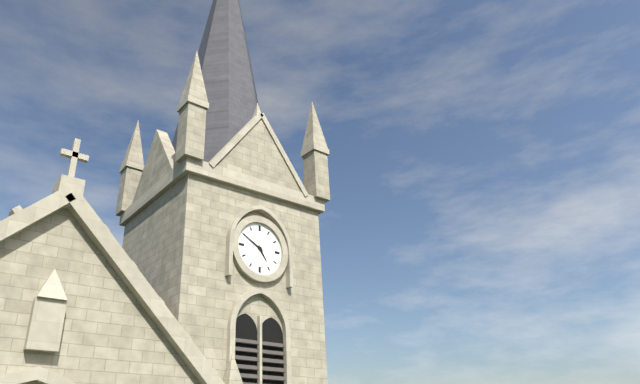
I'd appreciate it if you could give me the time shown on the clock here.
4:50
